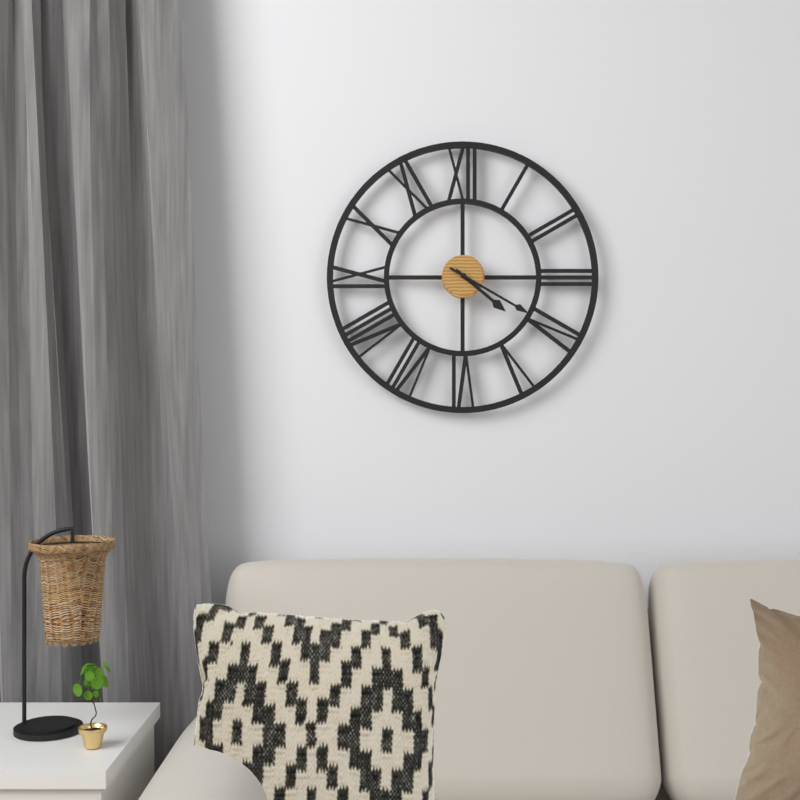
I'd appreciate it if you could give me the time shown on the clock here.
4:20
